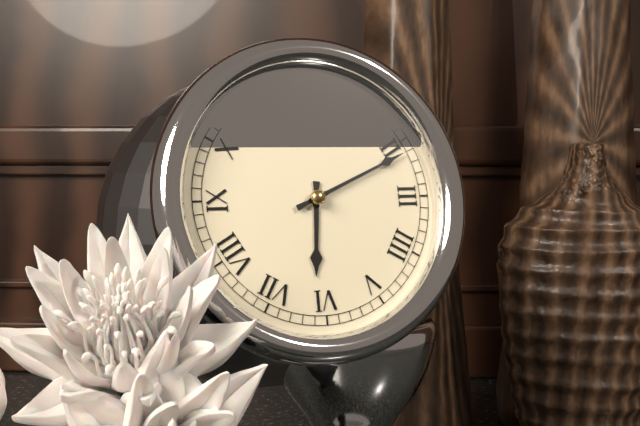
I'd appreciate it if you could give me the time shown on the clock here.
6:11
